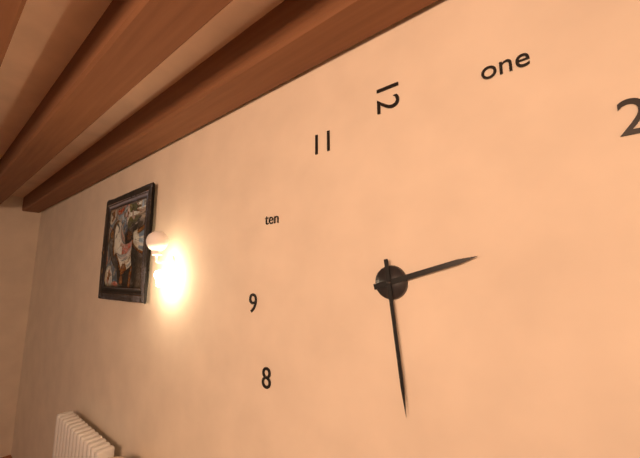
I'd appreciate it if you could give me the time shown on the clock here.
2:29
